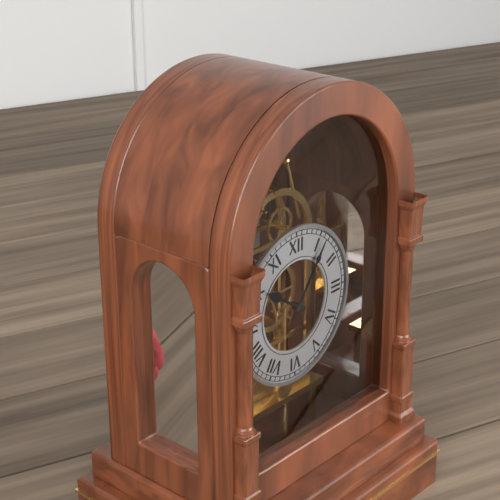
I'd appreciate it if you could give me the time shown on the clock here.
10:06
